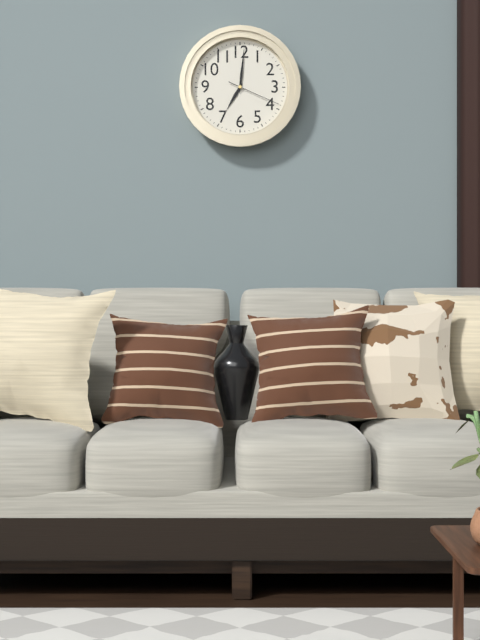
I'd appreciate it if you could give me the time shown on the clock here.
7:01:19
